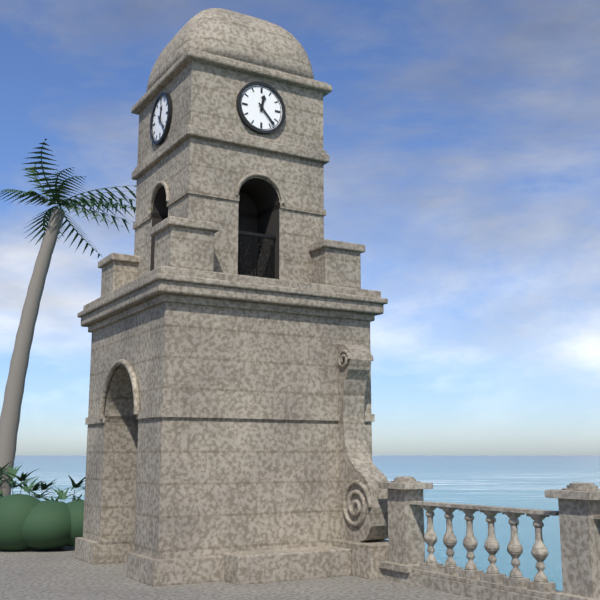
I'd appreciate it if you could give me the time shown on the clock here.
12:23
